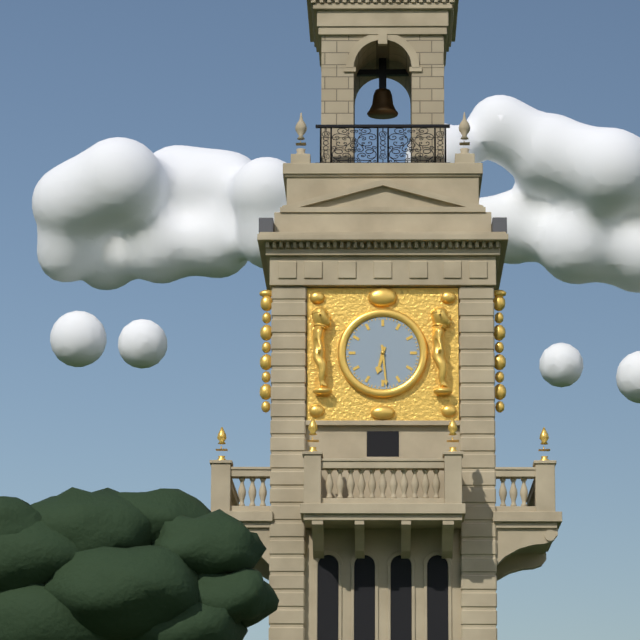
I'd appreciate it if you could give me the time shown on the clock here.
6:29
